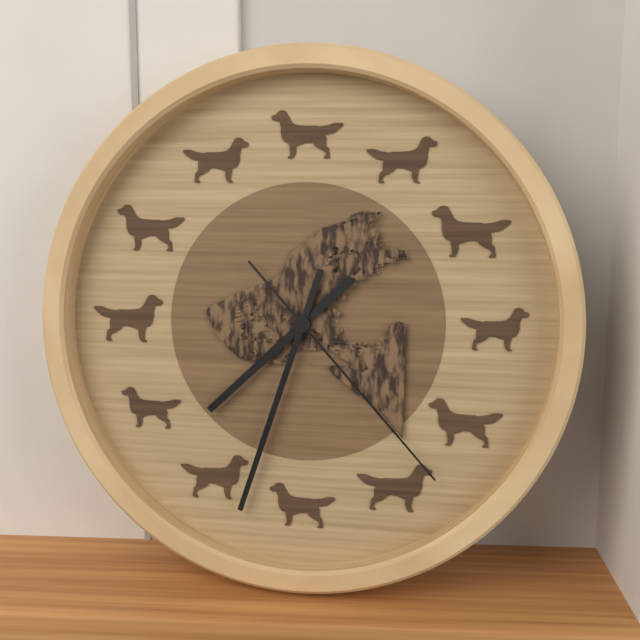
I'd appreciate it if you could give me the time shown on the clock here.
7:33:23
